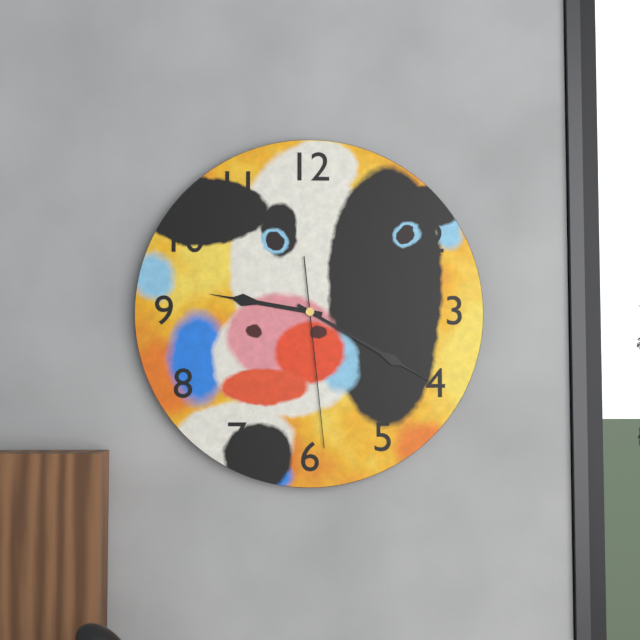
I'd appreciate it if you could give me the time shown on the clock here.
9:20:29
